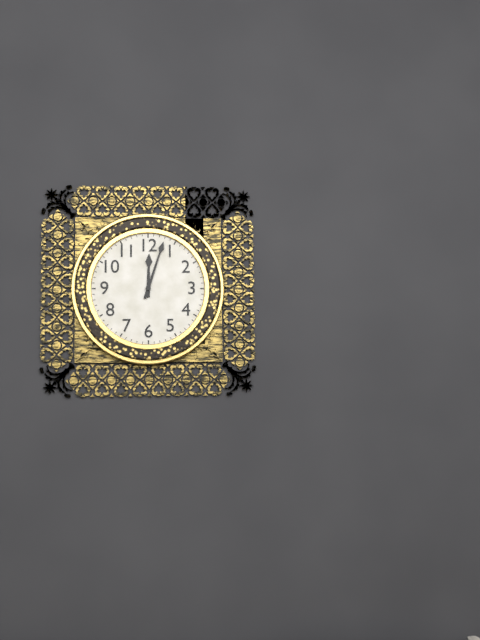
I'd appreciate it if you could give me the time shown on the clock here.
12:03
